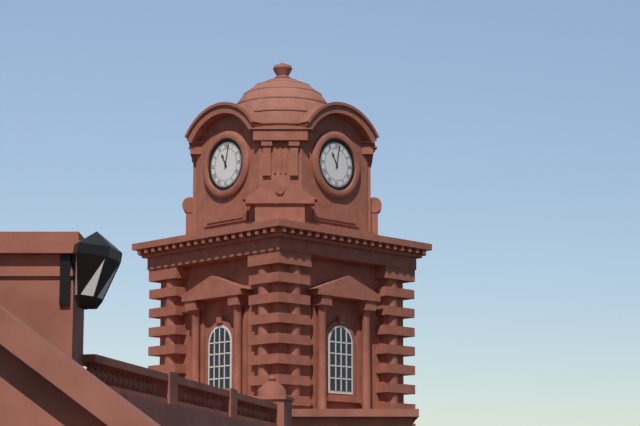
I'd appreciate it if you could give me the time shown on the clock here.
11:02
